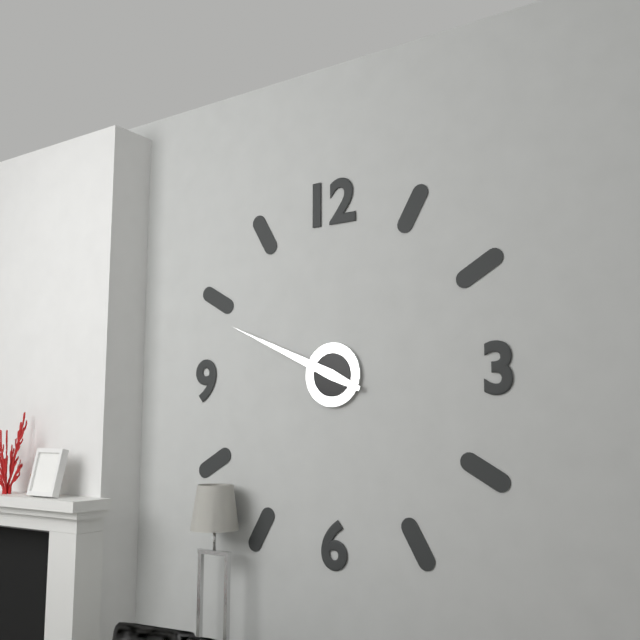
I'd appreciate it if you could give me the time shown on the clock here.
9:49
